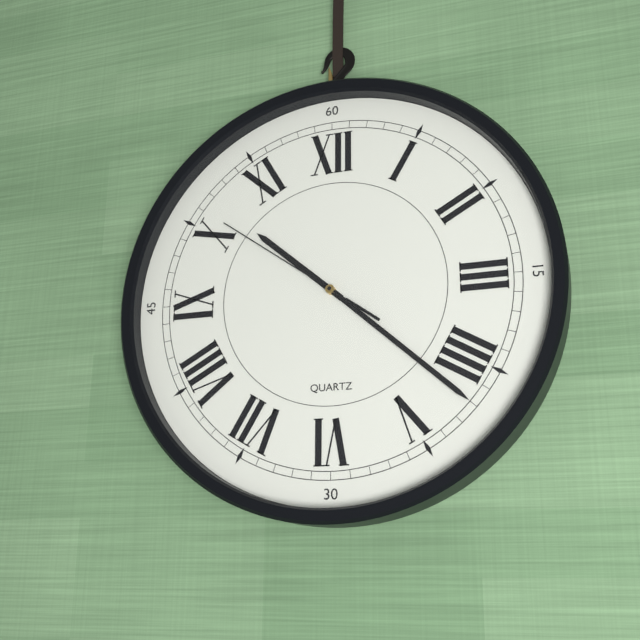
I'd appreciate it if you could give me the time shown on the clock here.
10:22:51
